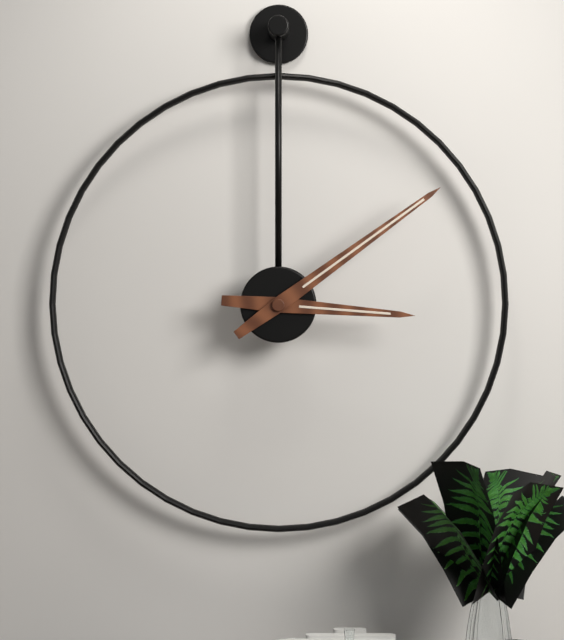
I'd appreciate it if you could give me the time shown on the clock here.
3:09
